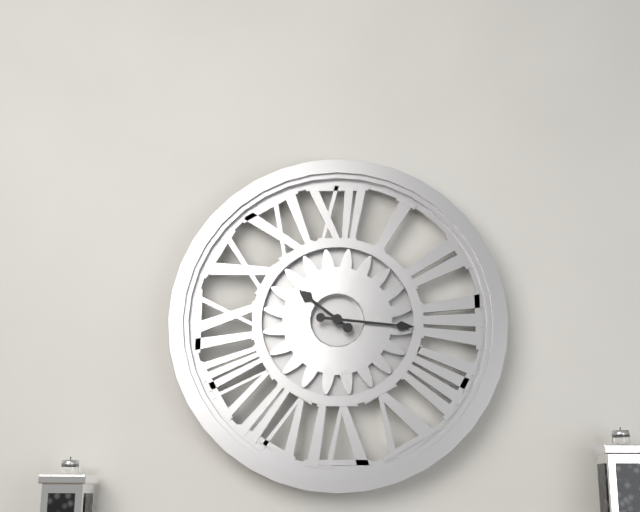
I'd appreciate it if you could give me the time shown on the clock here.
10:16
